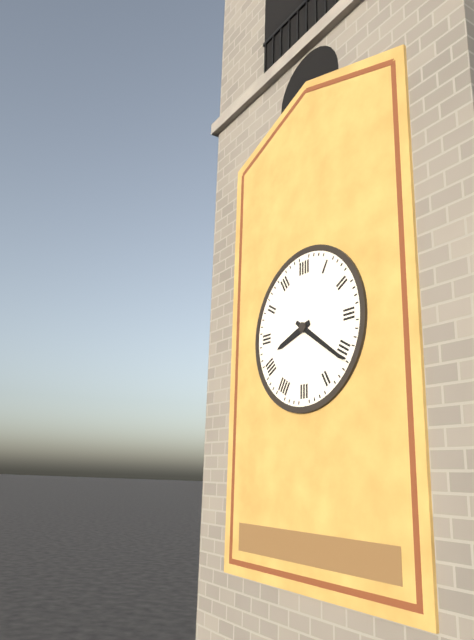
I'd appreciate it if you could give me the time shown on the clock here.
8:21
